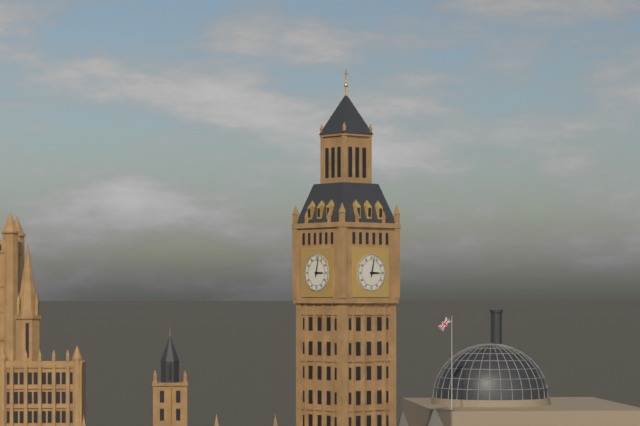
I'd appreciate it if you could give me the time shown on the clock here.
3:02
